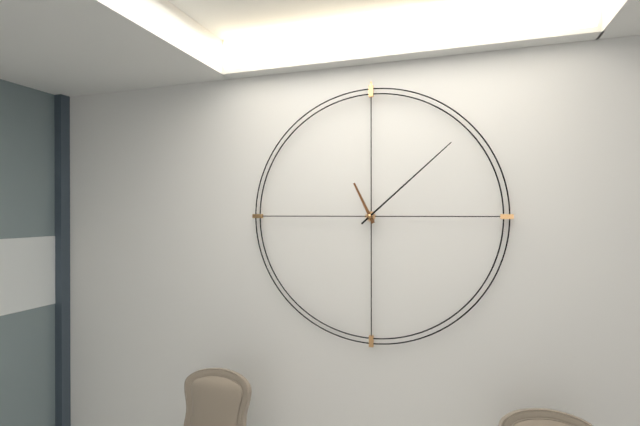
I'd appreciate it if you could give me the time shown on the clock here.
11:08
